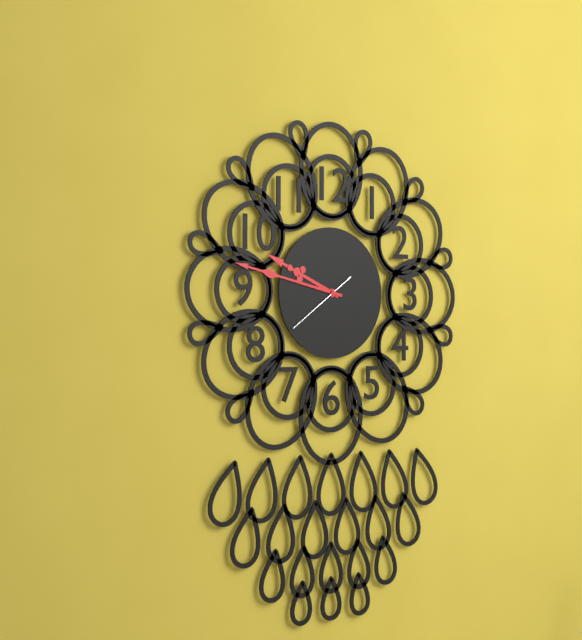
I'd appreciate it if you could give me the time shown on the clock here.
9:47:39
